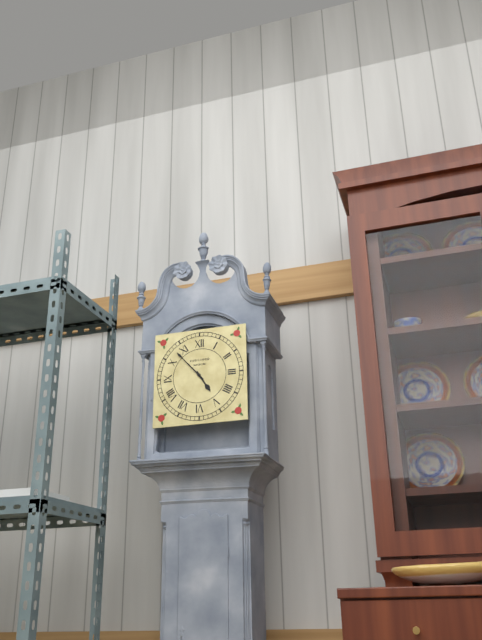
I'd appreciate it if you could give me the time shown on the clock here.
4:53
